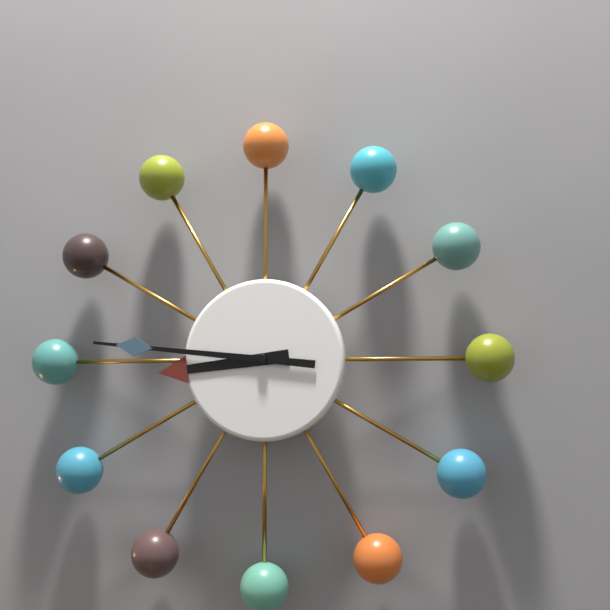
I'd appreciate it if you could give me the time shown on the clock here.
8:46
